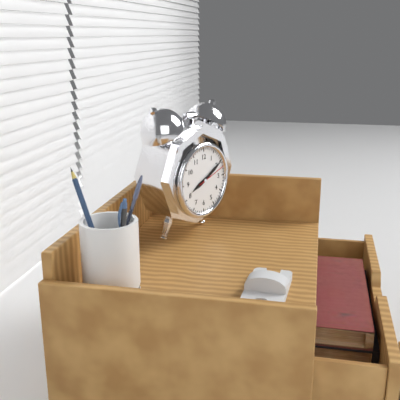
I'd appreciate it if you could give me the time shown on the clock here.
8:10
